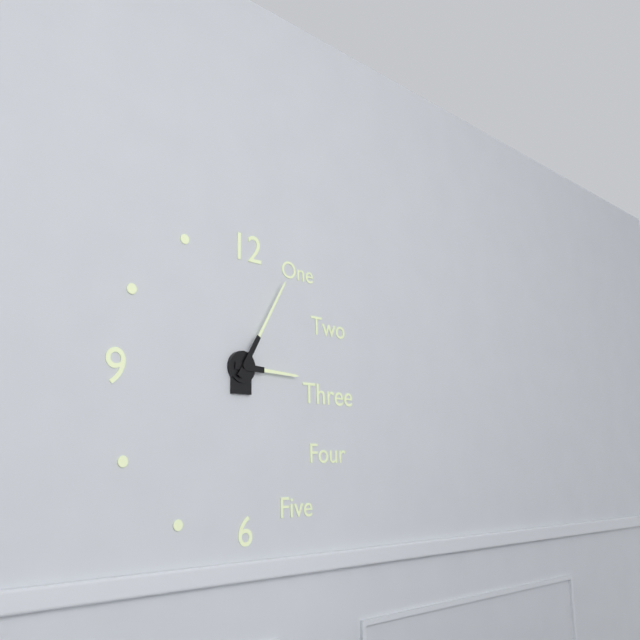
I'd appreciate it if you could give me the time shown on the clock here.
3:05
